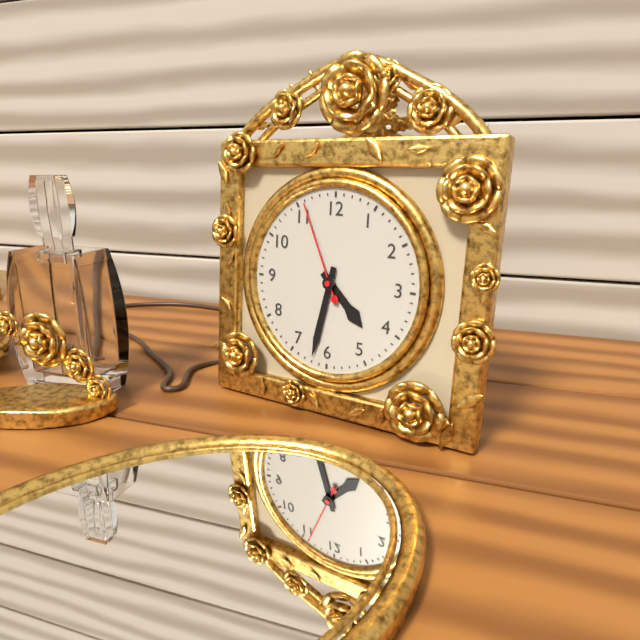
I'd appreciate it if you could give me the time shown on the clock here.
4:32:56
